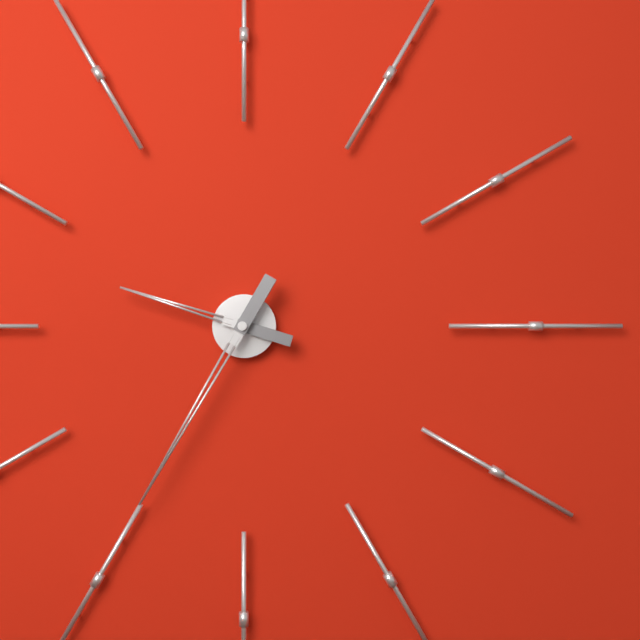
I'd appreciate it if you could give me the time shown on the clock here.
9:35
